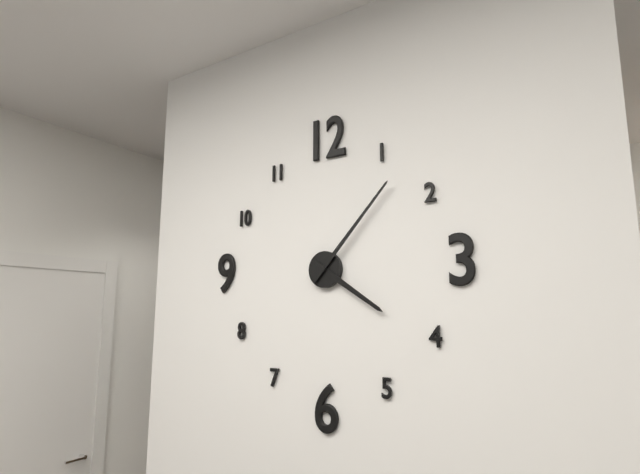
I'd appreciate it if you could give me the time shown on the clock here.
4:07
